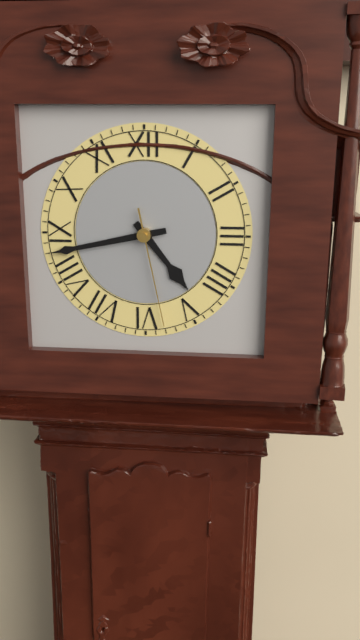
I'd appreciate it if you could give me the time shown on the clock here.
4:43:28
